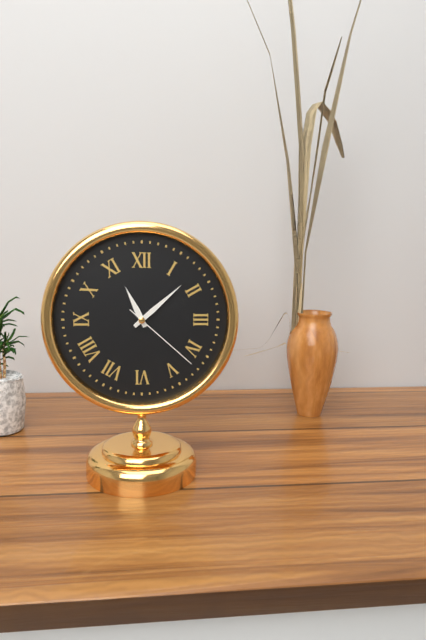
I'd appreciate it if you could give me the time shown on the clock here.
11:08:22
